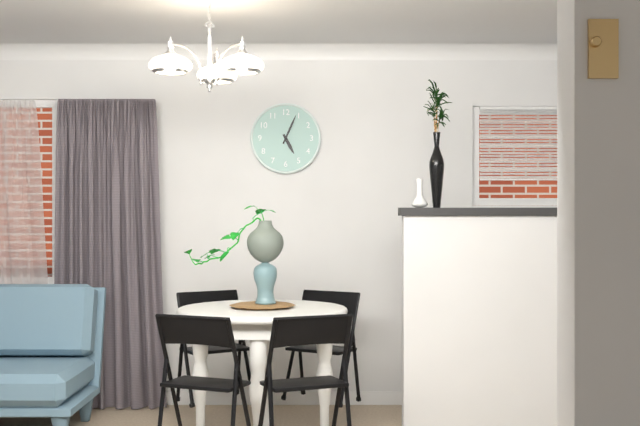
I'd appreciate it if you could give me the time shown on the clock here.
5:04
